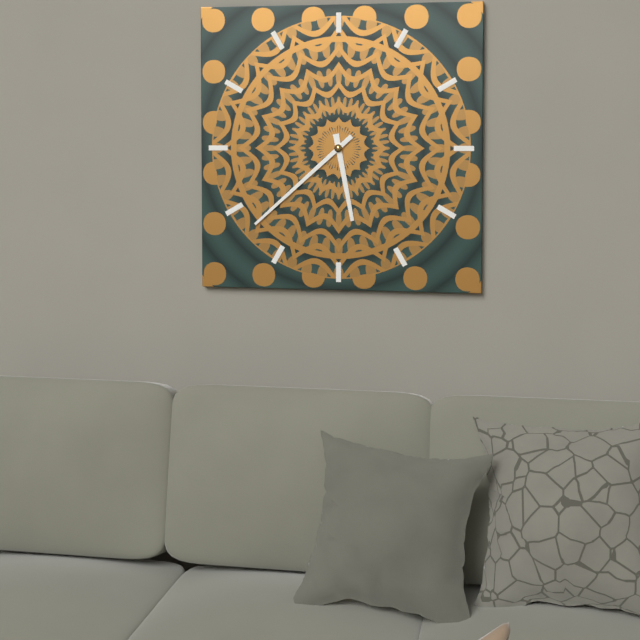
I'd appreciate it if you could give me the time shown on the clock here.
5:38
